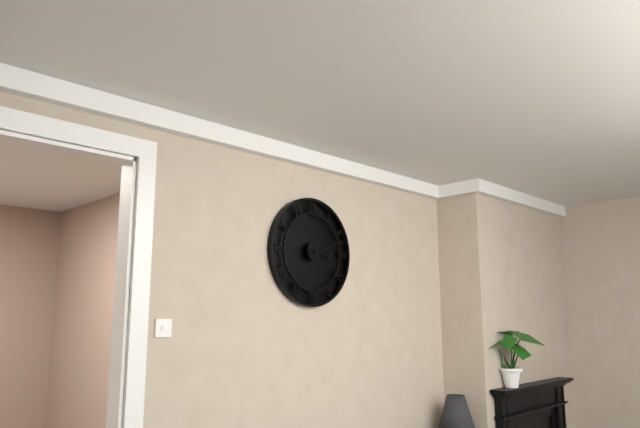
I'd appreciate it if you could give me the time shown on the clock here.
3:12
